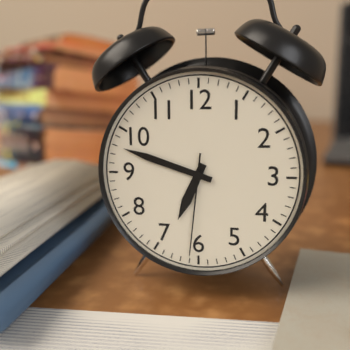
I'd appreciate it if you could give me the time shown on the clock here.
6:48:31
